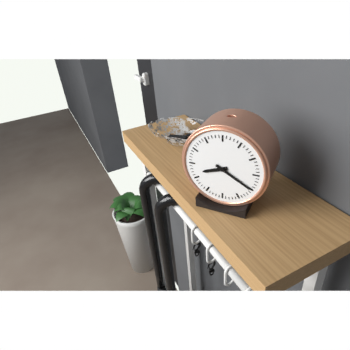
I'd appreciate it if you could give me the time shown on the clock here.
8:20
